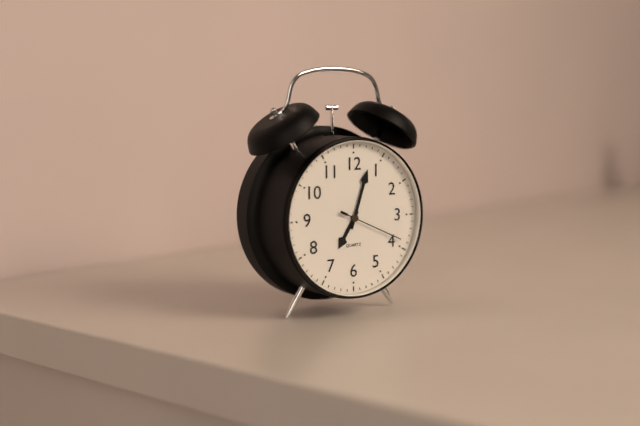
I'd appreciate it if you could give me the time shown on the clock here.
7:03:19
